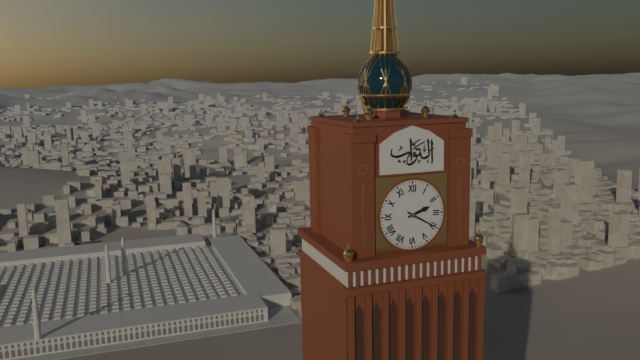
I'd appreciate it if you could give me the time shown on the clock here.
2:20
